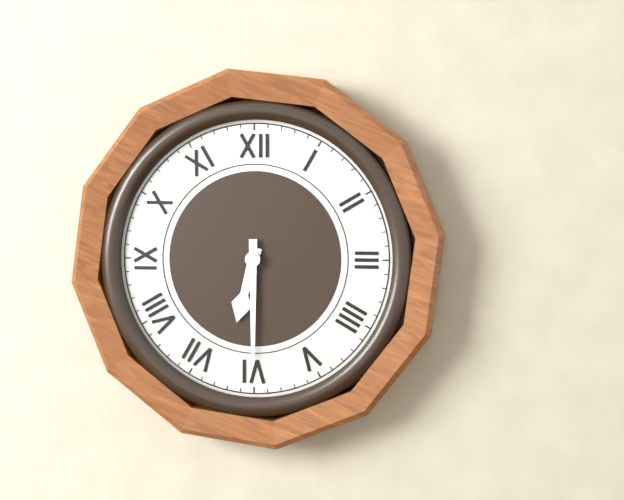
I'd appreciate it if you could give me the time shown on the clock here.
6:30
